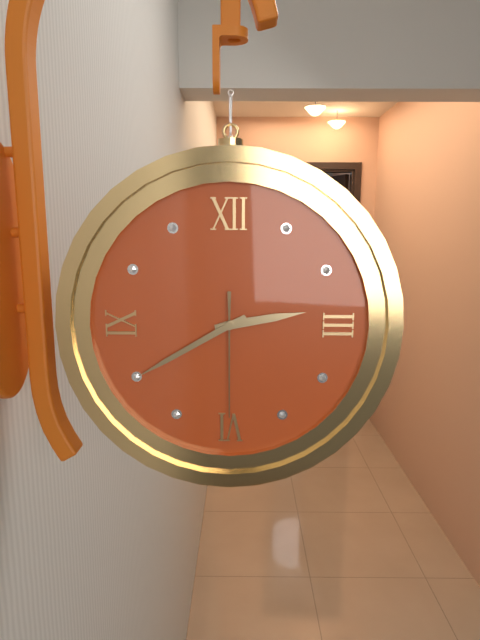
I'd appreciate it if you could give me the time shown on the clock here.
2:40:30
